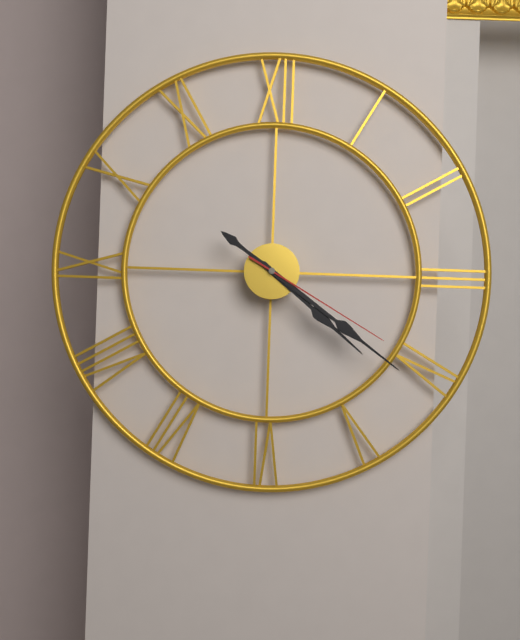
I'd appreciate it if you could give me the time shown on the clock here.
4:21:20
